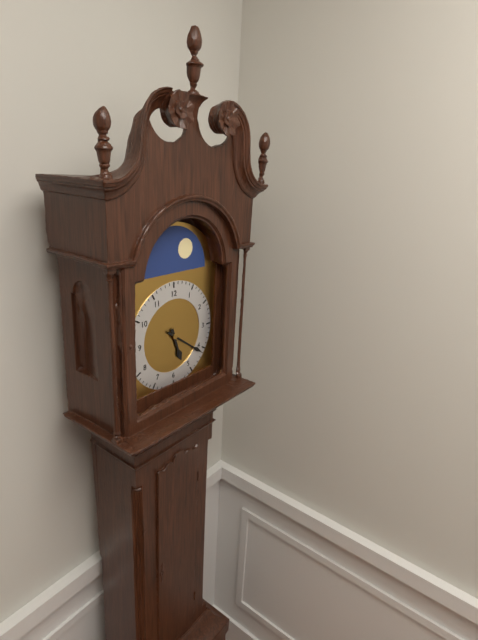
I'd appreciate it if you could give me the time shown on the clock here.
5:21
